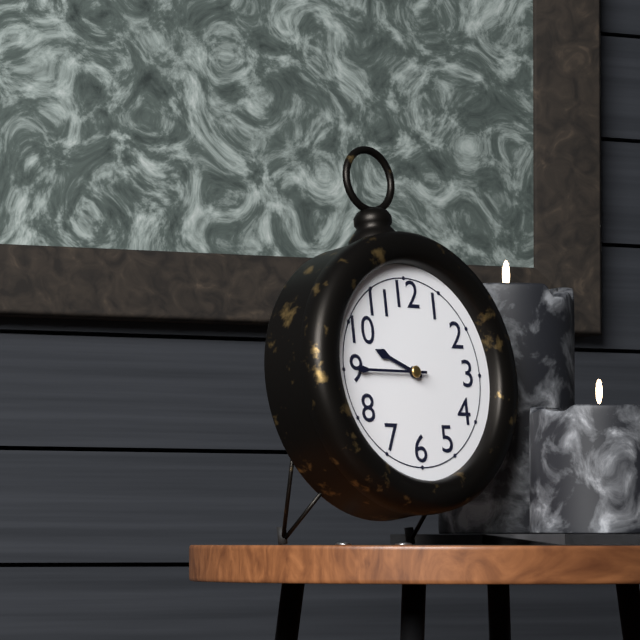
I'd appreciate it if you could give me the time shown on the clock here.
9:45
